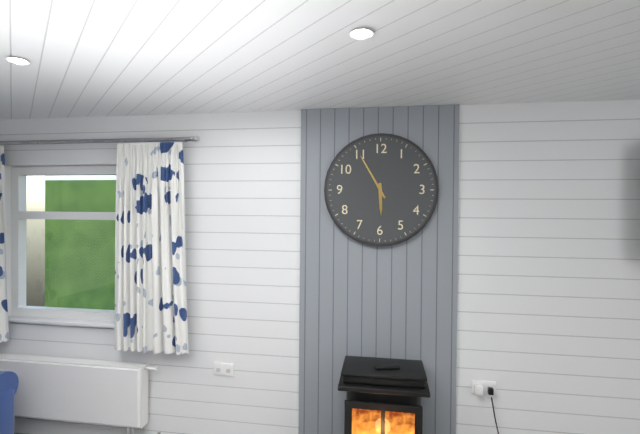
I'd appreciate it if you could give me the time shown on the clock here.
5:55
